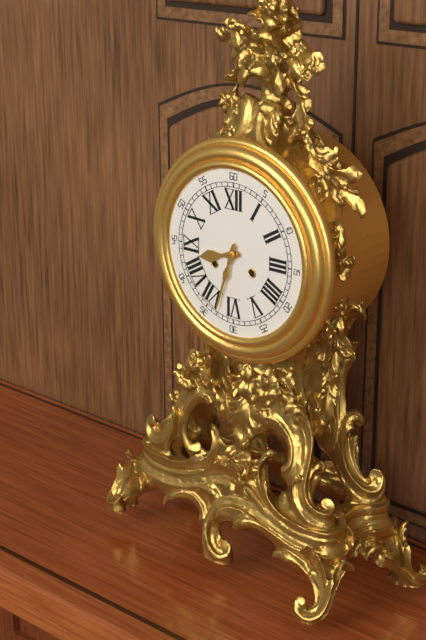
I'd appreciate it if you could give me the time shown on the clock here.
8:33
